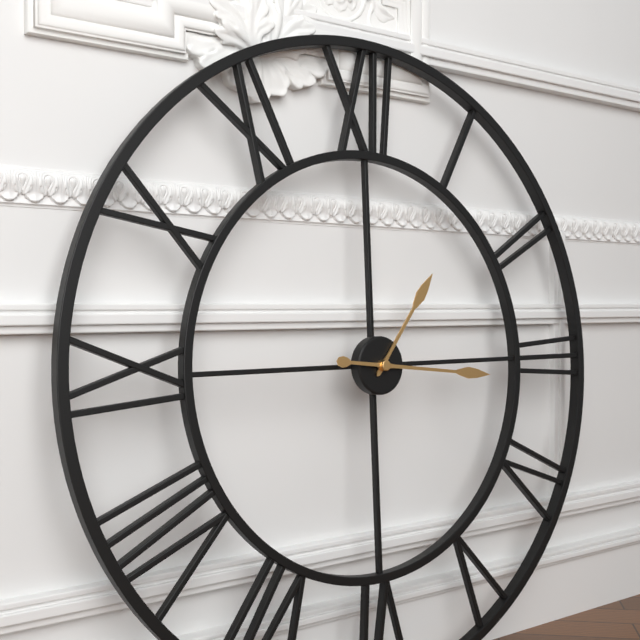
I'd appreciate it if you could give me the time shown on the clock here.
1:16
